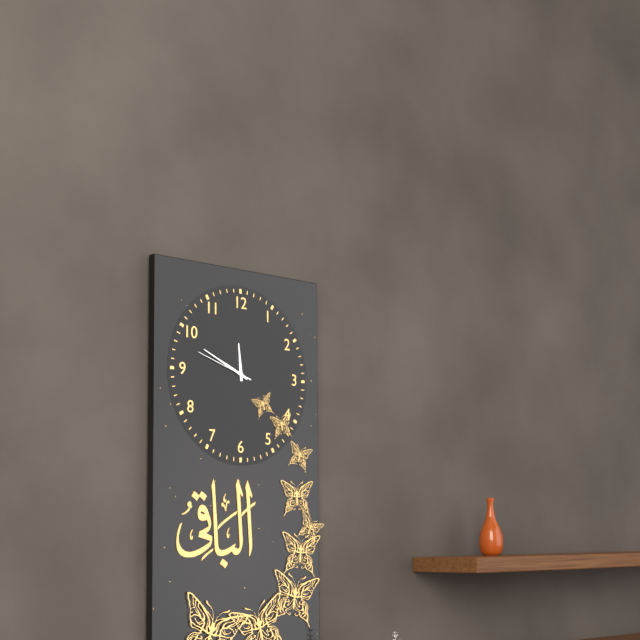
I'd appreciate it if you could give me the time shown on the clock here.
11:49:48
